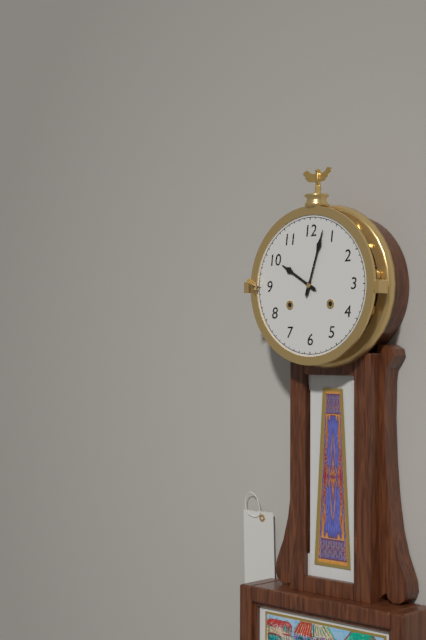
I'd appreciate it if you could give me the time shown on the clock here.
10:03
